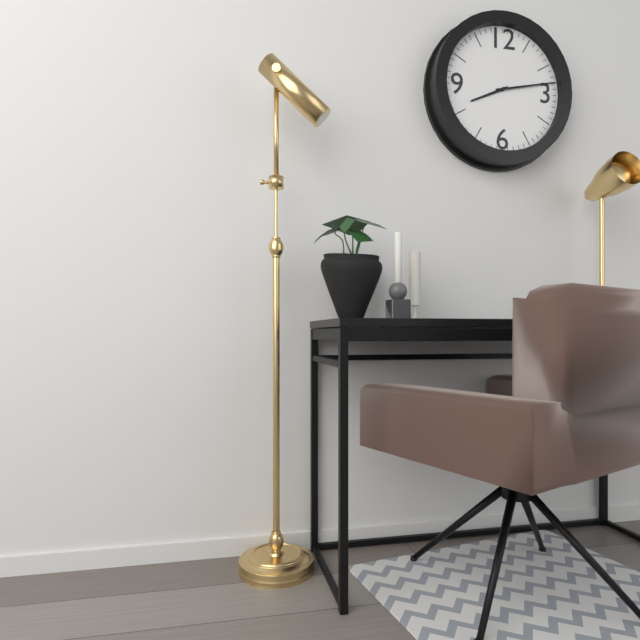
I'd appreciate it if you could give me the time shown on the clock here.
8:13
